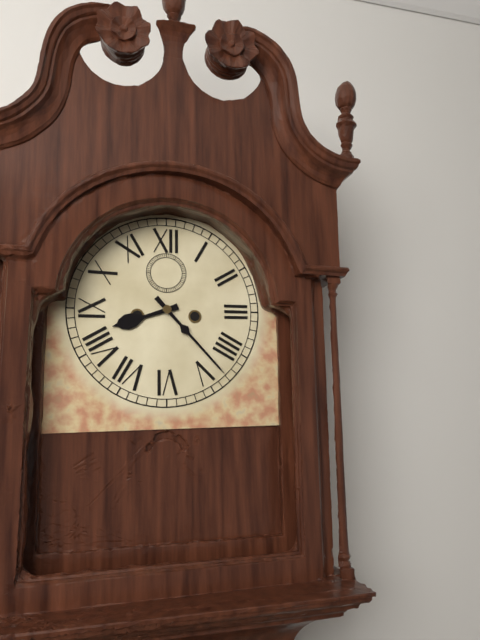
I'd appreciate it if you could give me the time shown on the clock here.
8:23
